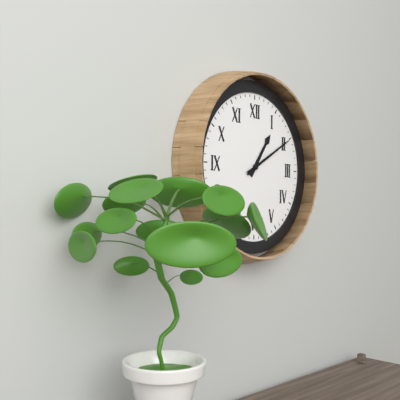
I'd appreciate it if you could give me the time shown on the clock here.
1:10
